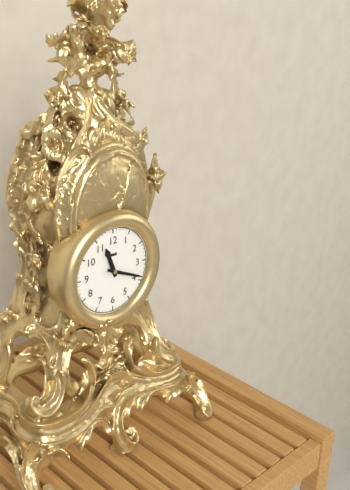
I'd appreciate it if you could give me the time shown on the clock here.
11:19
